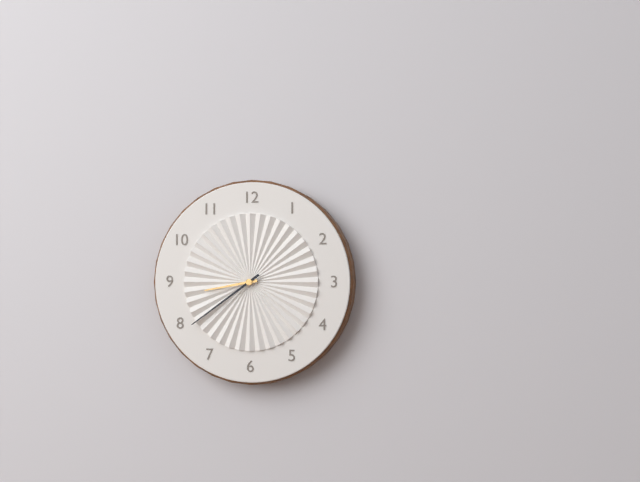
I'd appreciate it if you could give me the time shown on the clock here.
8:39
